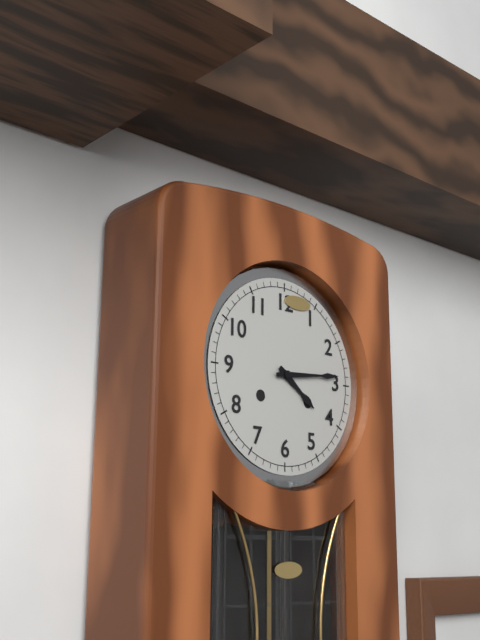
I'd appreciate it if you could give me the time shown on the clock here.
4:14
